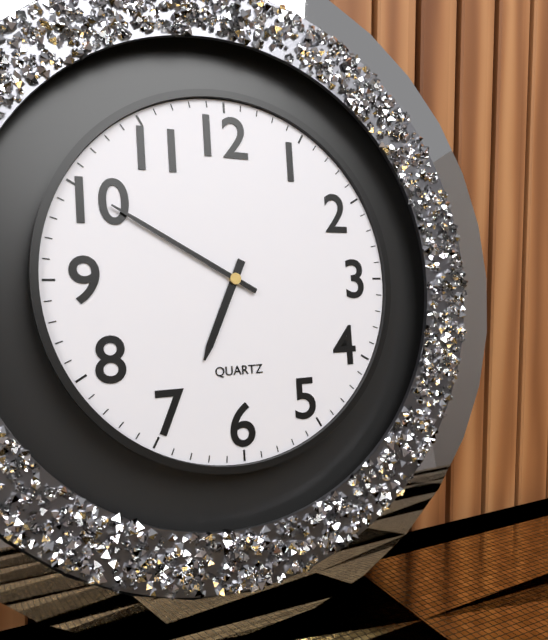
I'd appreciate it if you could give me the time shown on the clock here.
6:50
